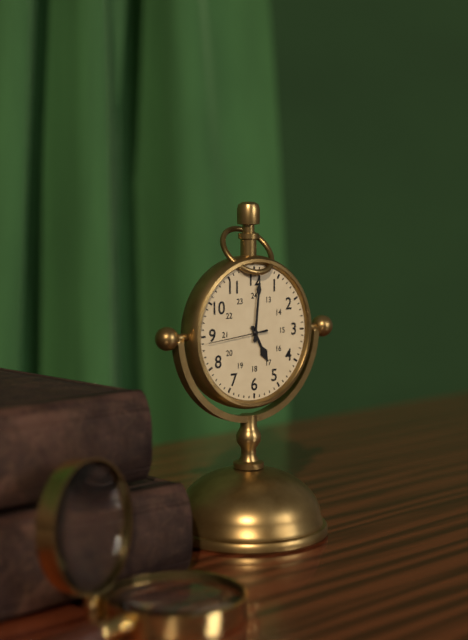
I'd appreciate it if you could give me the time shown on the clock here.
5:01:44
